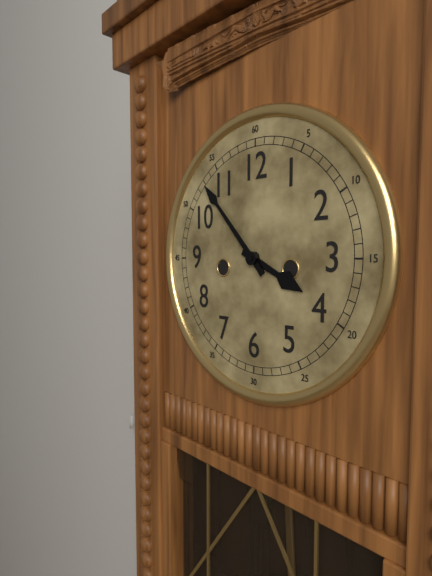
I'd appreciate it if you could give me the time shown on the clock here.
3:53
